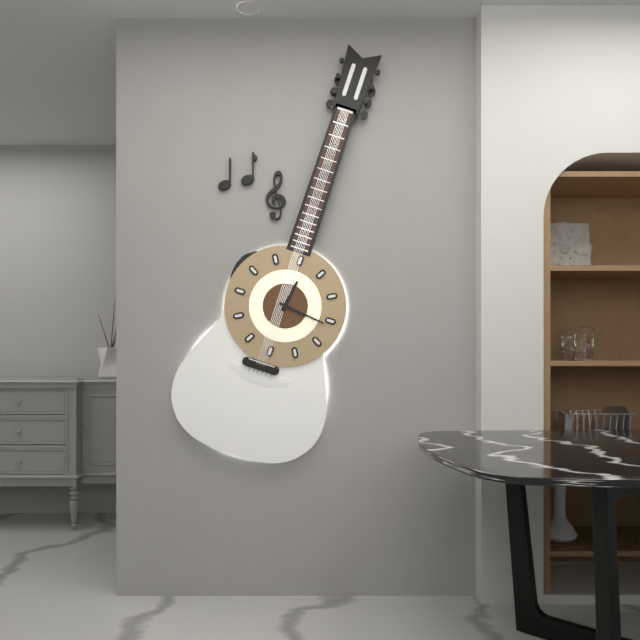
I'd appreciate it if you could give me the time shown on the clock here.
12:16
